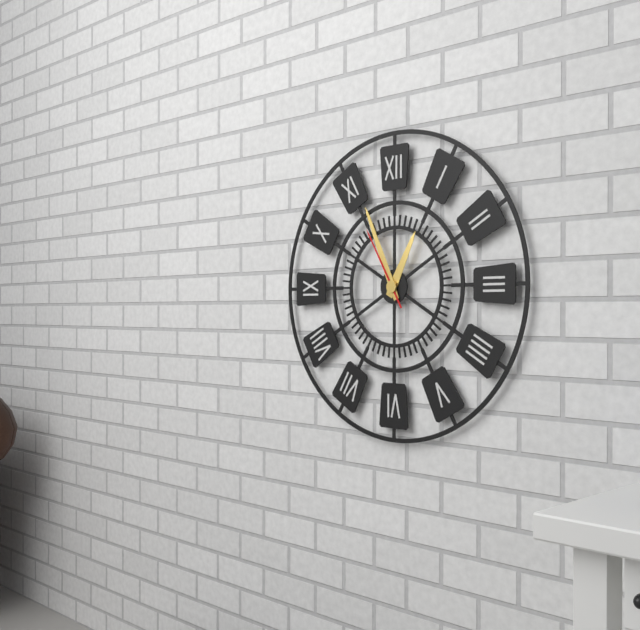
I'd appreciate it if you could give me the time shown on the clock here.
12:56:55
